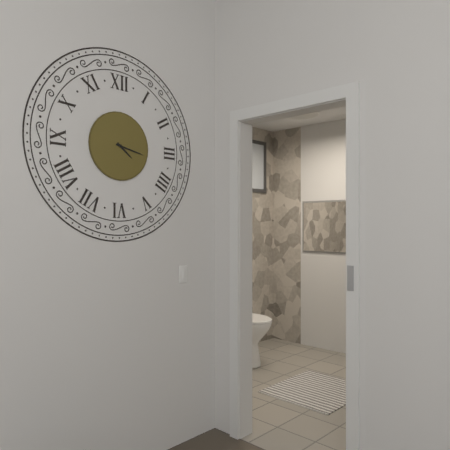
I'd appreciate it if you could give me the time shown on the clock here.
4:17
